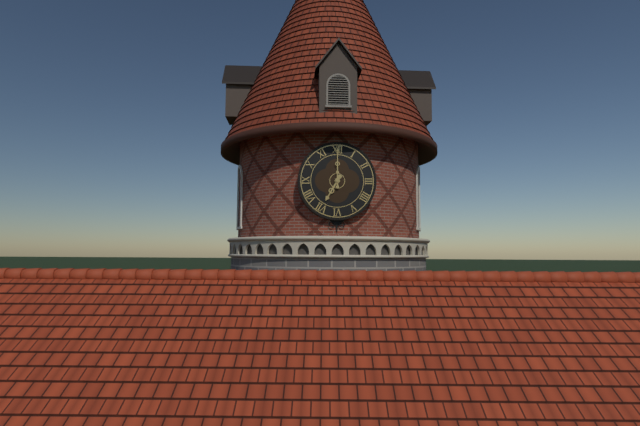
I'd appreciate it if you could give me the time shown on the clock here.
7:00
